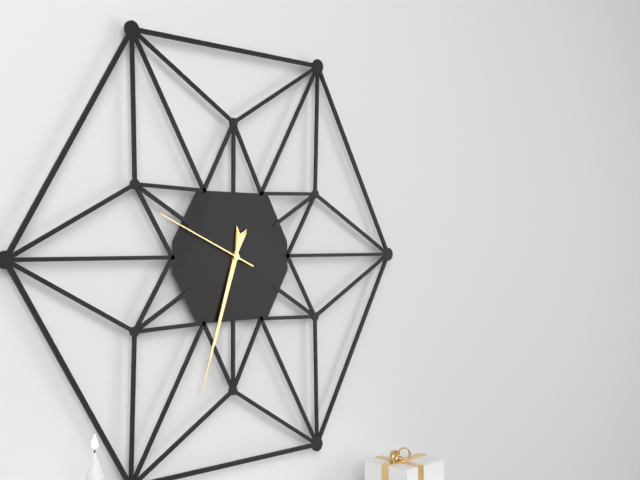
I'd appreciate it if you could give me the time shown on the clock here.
6:33:49
